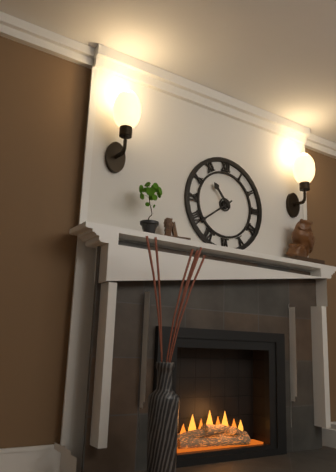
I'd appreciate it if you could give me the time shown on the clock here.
10:39
